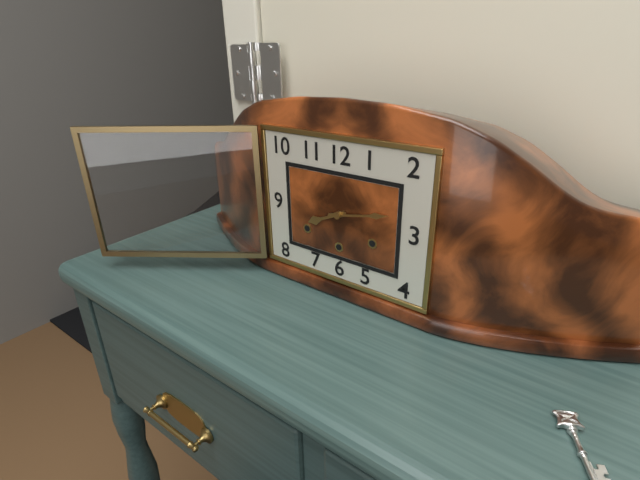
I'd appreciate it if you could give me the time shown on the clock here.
8:13
